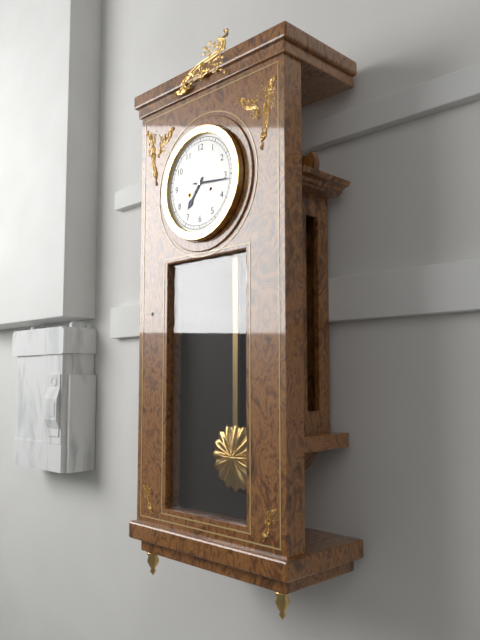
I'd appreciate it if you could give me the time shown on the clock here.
7:16
